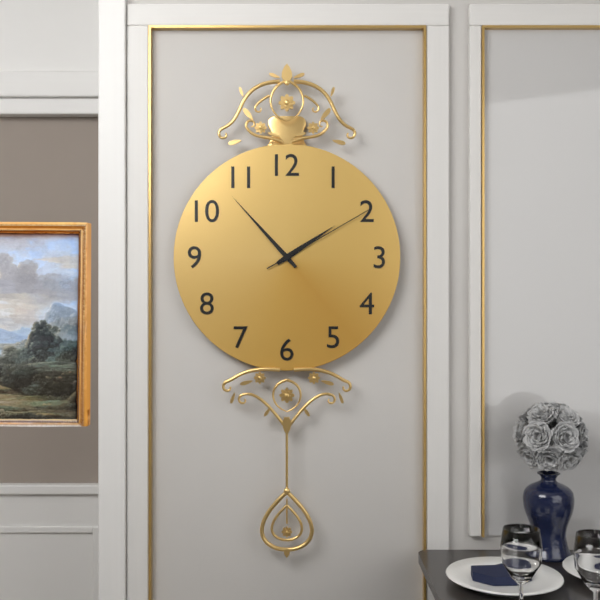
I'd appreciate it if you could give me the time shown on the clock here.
1:53:10
